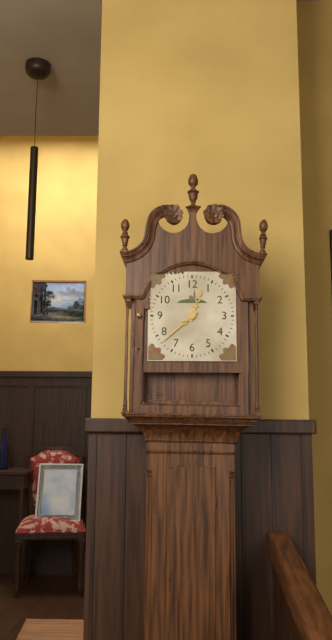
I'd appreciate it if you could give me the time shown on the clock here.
12:38
